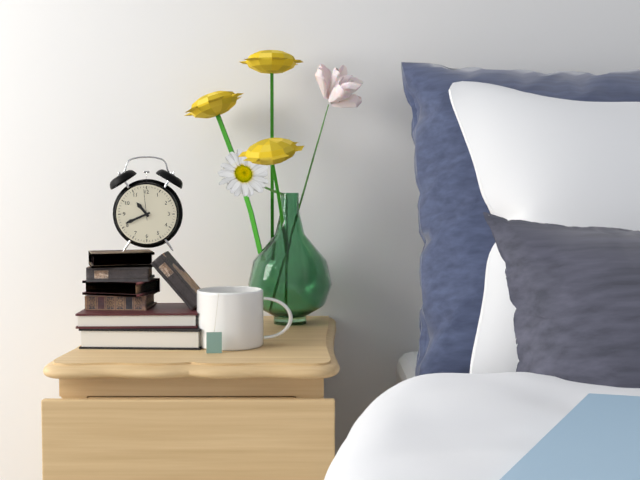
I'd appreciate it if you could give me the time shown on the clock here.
10:41
